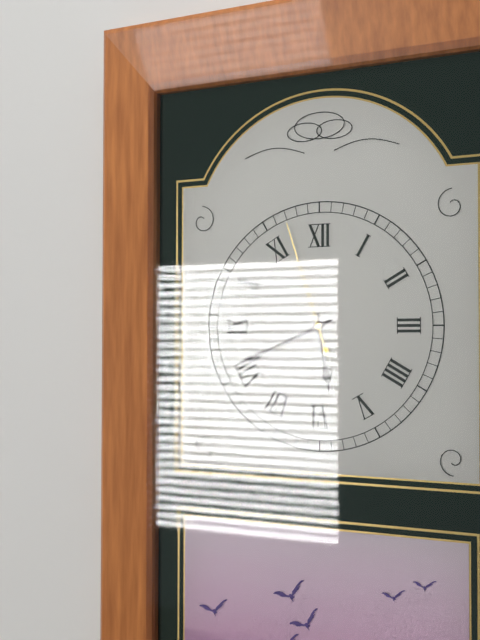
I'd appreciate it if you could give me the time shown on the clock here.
5:41:57
